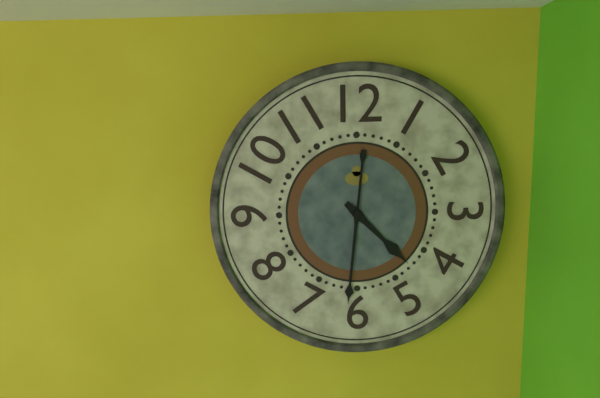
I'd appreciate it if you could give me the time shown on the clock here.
4:31
